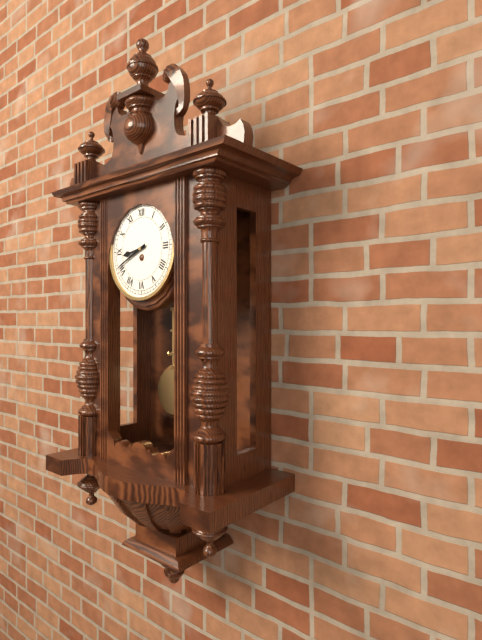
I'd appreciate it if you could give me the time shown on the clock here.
8:41
